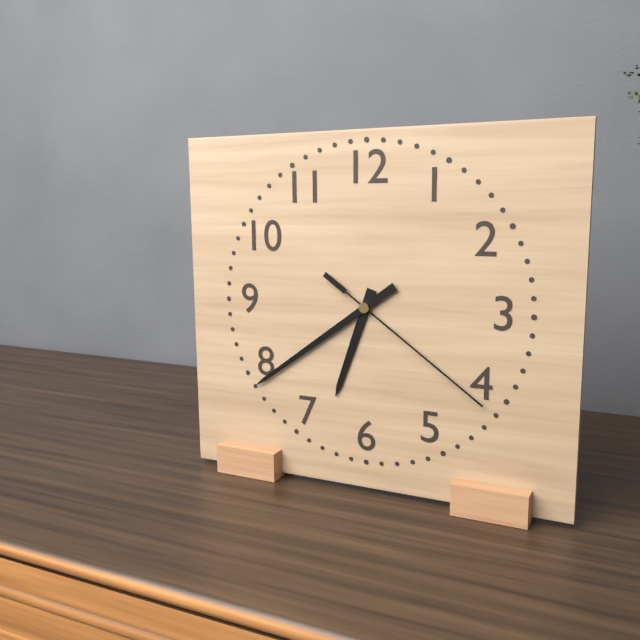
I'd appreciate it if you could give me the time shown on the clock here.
6:39:21
